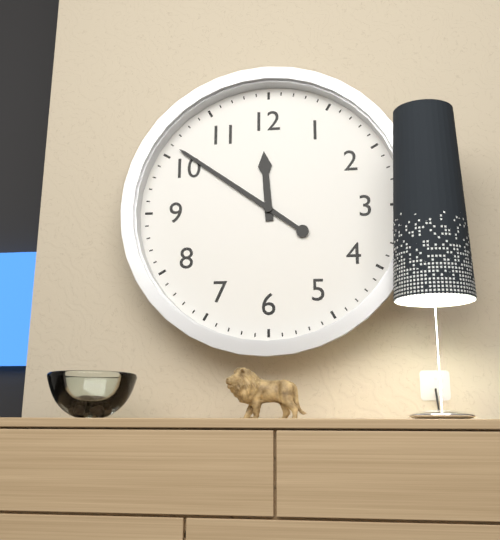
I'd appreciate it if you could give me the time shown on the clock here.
11:51
